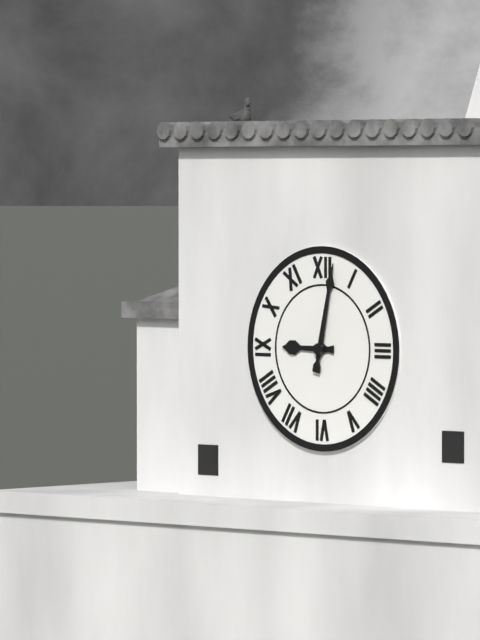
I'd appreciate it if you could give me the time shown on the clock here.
9:02
